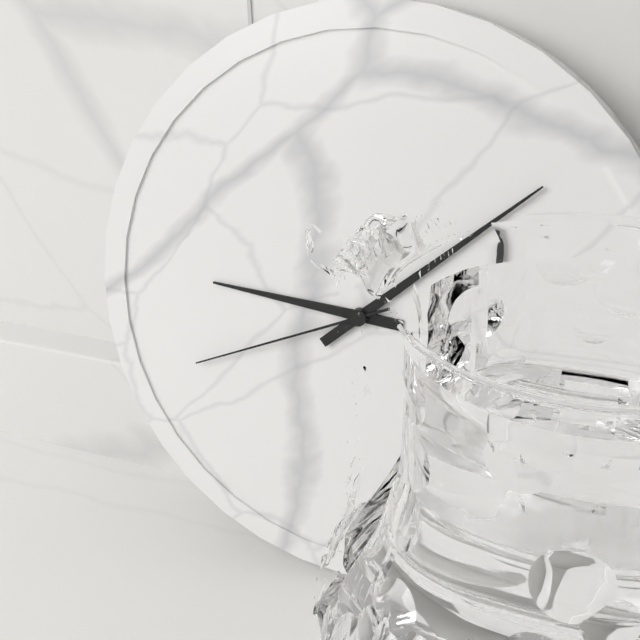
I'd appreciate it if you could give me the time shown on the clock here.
9:08:41
